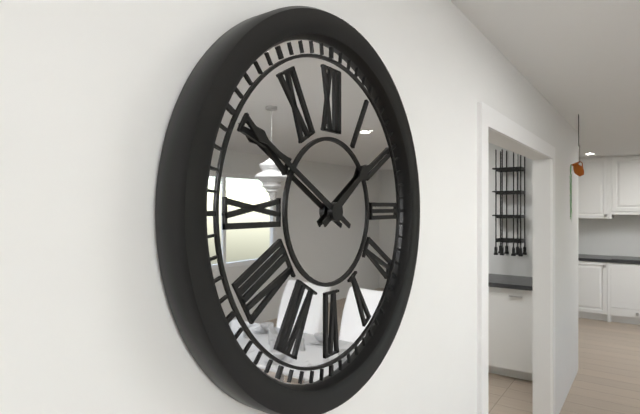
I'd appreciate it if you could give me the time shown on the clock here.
1:50
